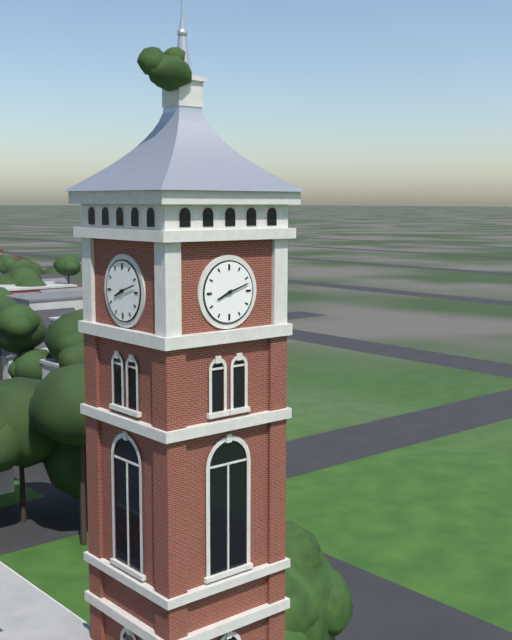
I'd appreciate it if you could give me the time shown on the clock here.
8:12
